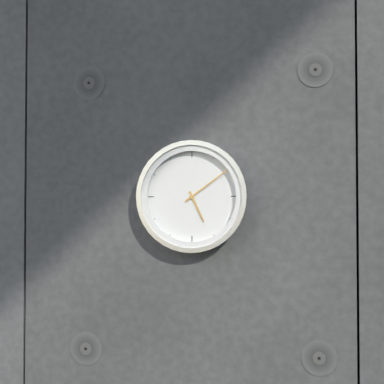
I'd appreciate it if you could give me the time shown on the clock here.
5:09
